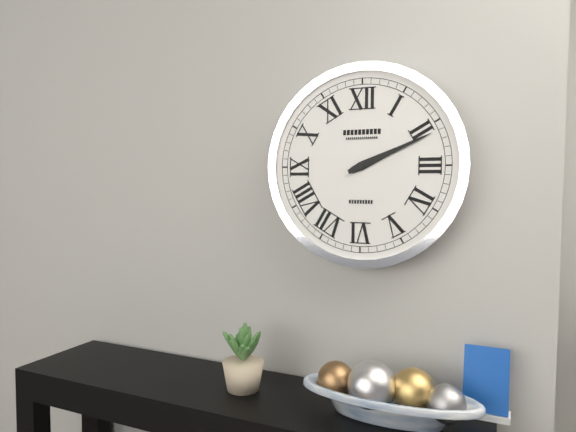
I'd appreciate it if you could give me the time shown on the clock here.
2:11
